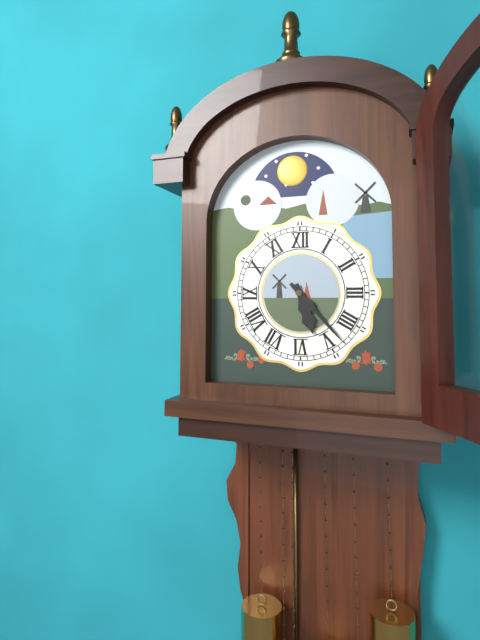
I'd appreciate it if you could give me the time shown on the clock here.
5:23
